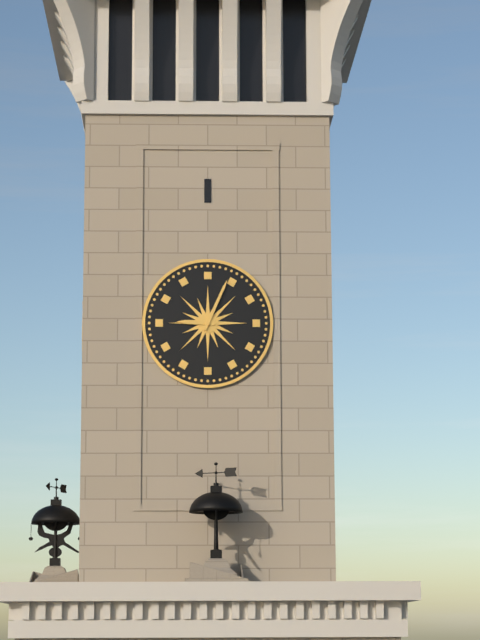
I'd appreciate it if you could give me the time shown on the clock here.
9:04
